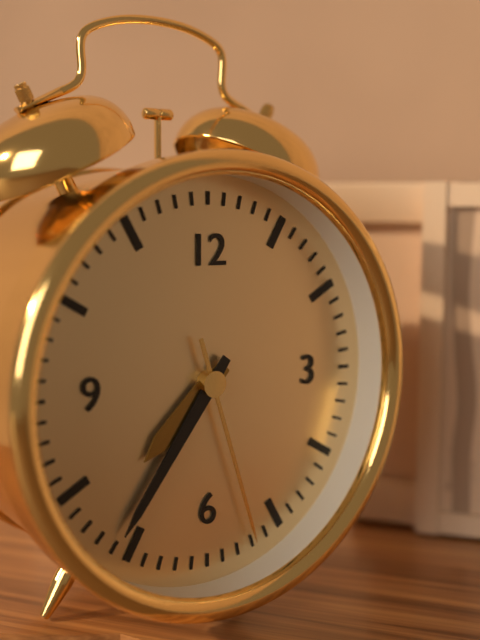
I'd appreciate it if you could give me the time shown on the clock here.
7:36:27
